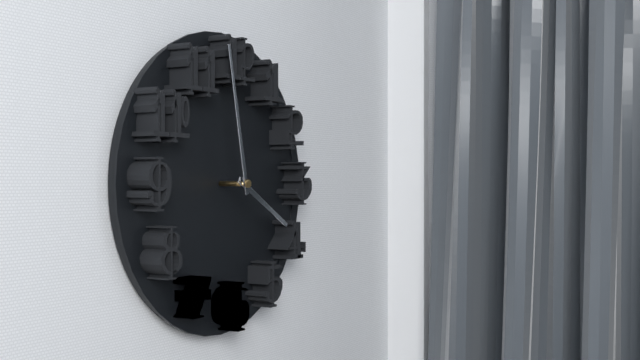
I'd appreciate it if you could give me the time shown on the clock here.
3:58
